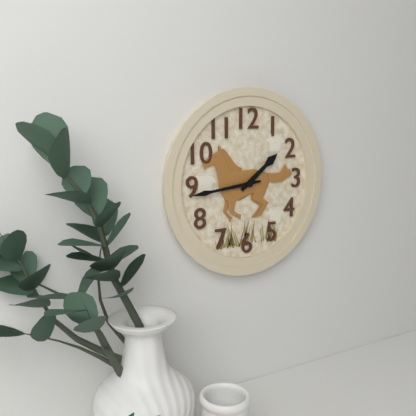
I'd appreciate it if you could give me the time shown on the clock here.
1:44
